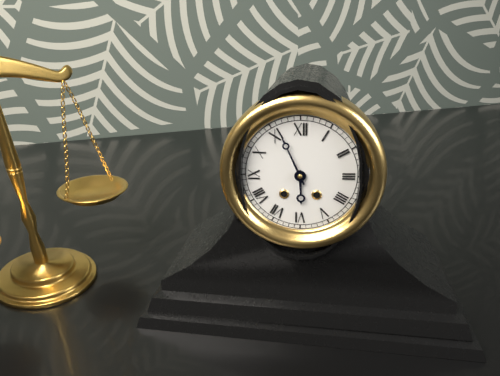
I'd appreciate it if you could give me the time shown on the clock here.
5:56
